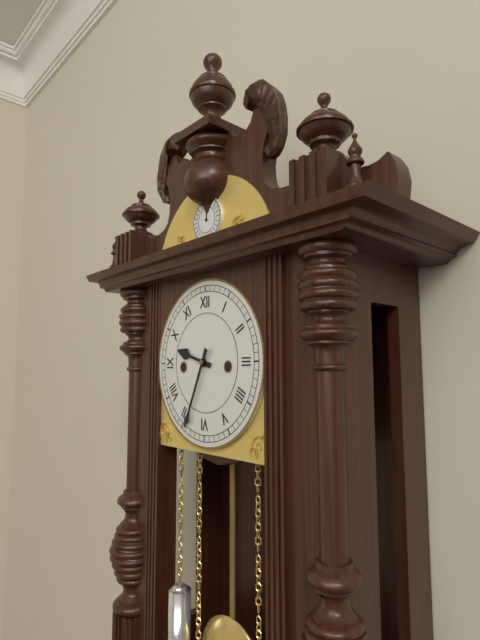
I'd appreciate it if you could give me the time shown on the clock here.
9:34
